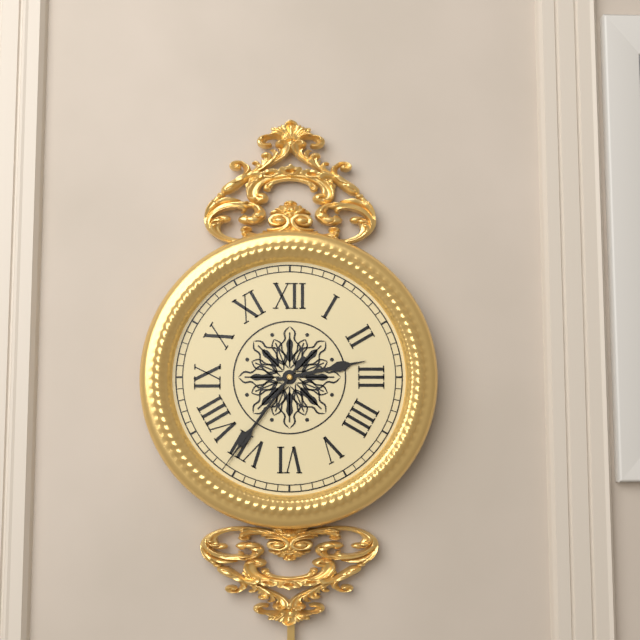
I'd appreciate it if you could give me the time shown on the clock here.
2:36:36
